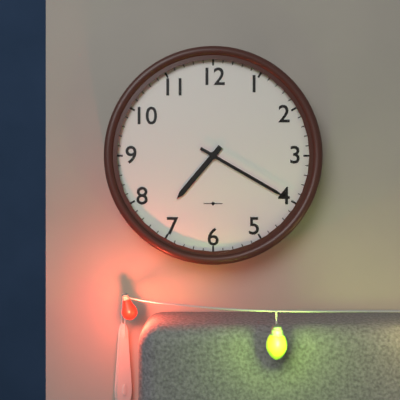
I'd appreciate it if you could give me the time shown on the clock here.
7:20
